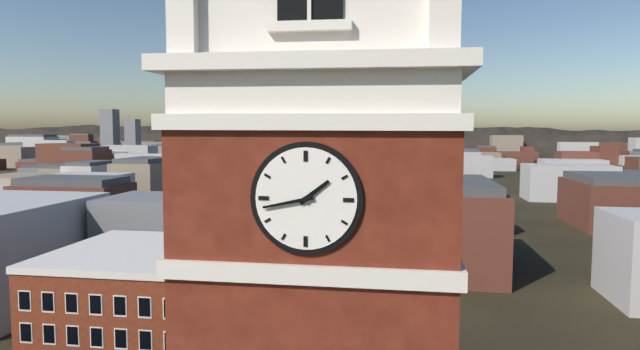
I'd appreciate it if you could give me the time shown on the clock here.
1:43
